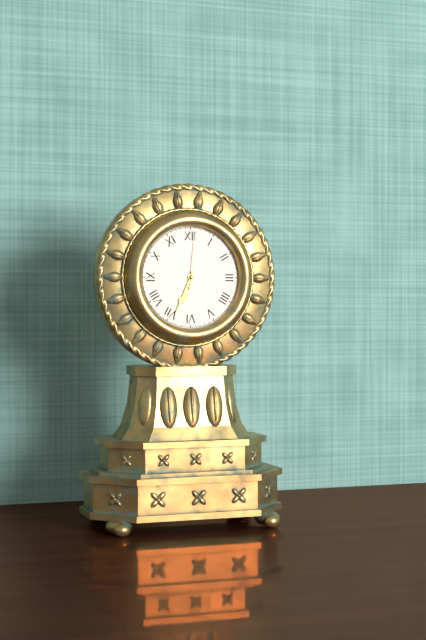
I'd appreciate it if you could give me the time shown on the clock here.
6:34:01
